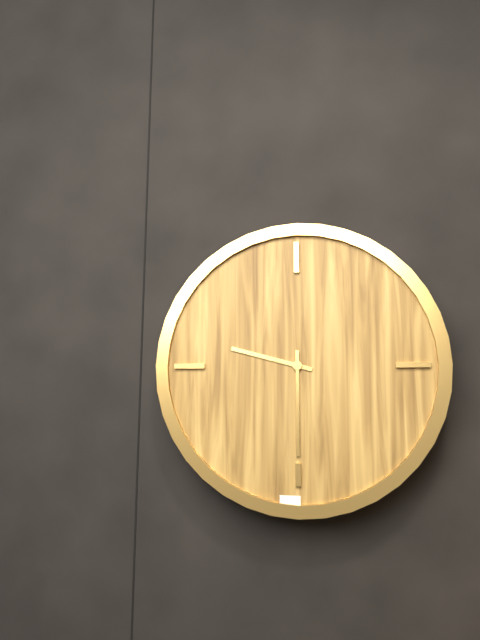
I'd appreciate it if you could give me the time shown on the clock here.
9:30
